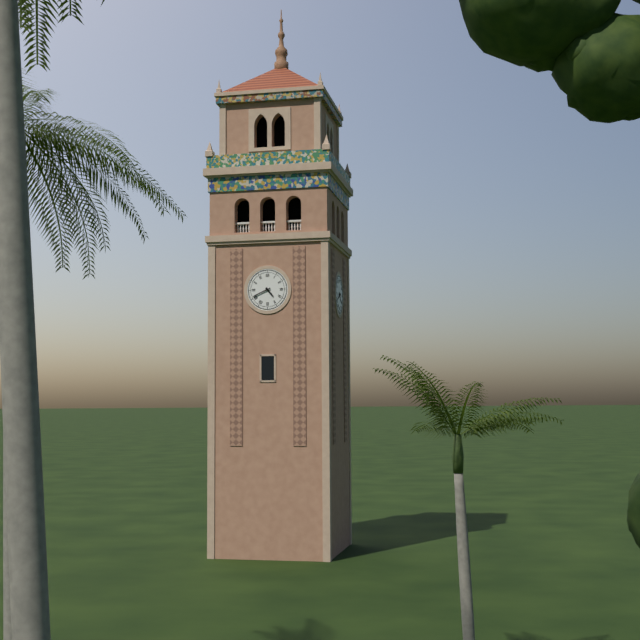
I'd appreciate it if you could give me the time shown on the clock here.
4:41
